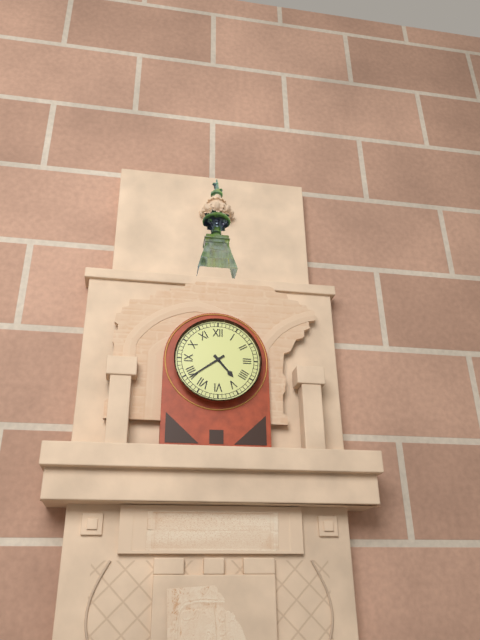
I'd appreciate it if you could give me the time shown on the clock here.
4:39
